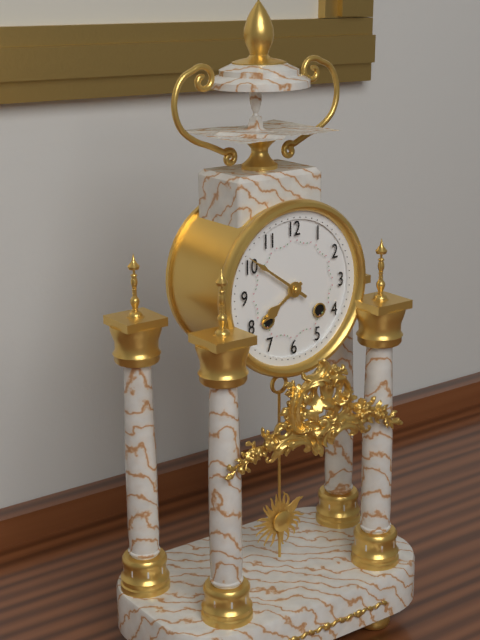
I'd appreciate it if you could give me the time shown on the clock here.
7:51
